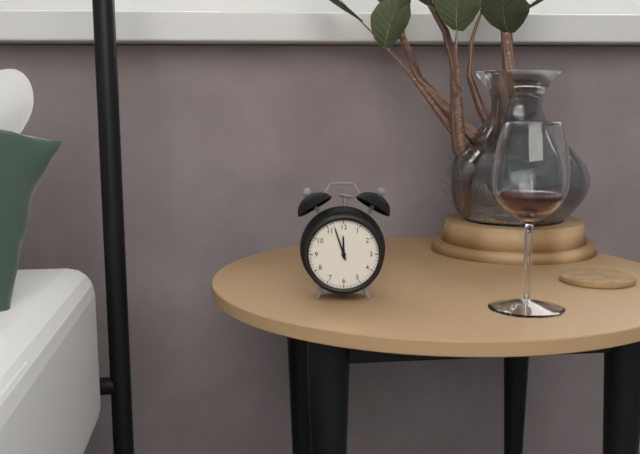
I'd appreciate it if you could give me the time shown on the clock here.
11:57
